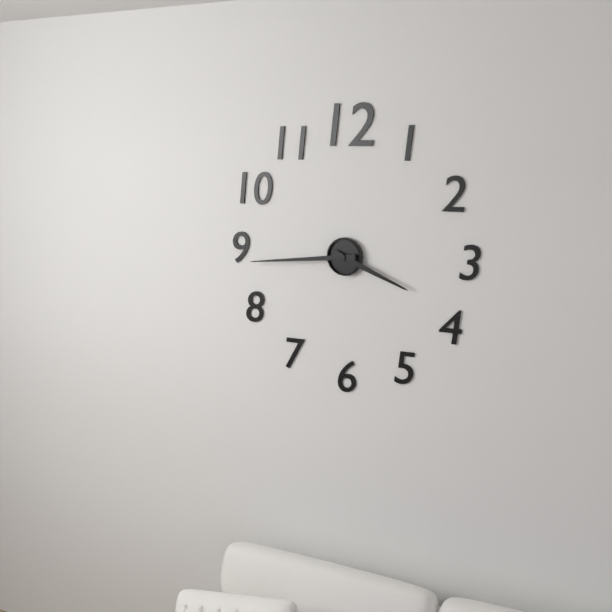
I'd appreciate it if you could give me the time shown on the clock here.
3:44
